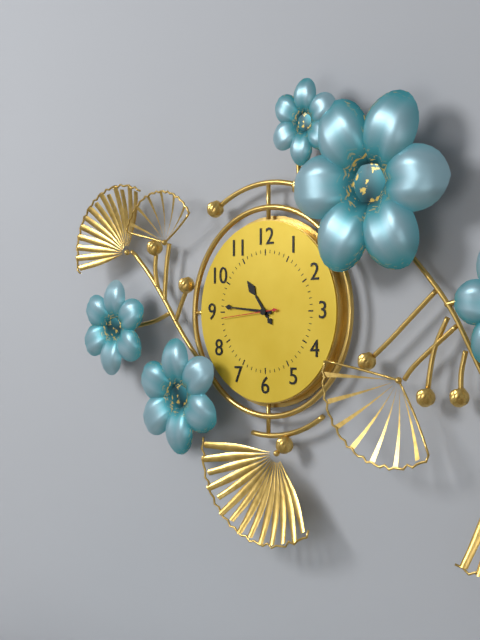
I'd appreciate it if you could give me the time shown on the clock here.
10:46:44
